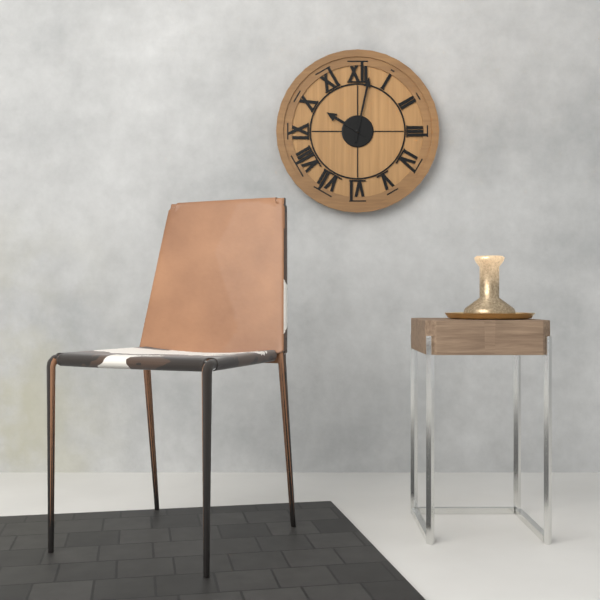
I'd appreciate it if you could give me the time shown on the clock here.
10:02
